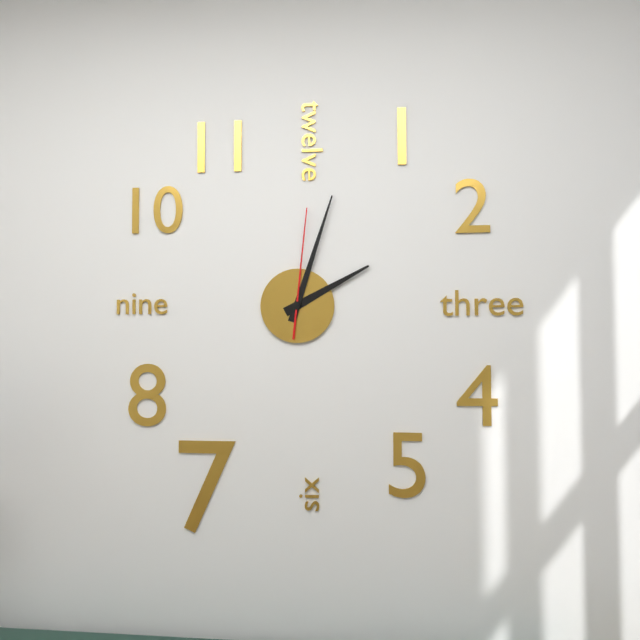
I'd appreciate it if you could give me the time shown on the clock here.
2:03:01
